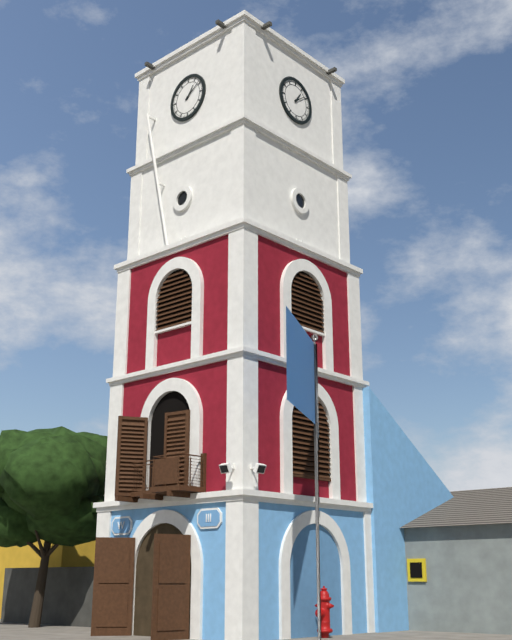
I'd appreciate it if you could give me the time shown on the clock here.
1:09
